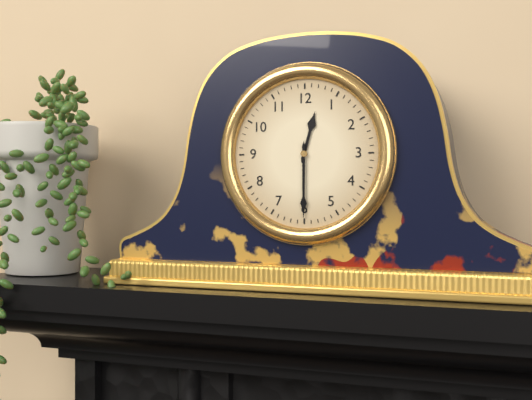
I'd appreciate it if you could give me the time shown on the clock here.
12:30
